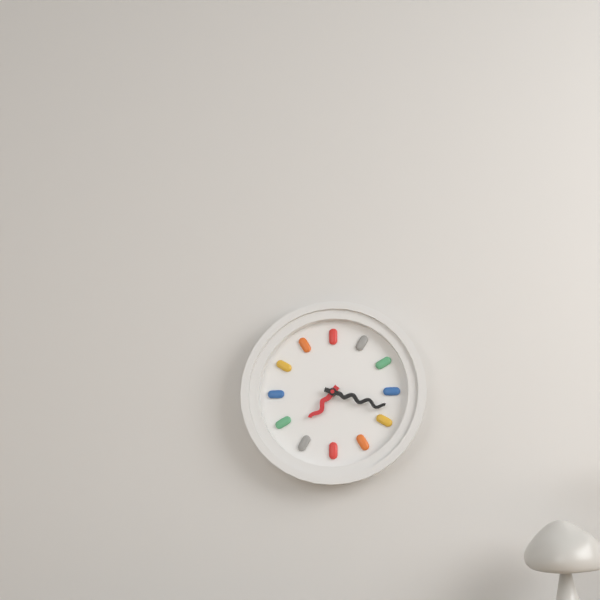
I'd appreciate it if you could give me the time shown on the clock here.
7:18
